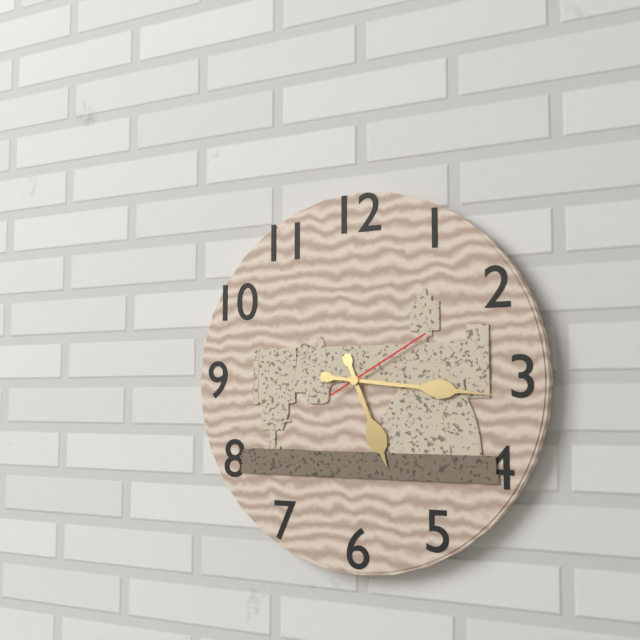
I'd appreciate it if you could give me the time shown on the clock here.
5:16:10
